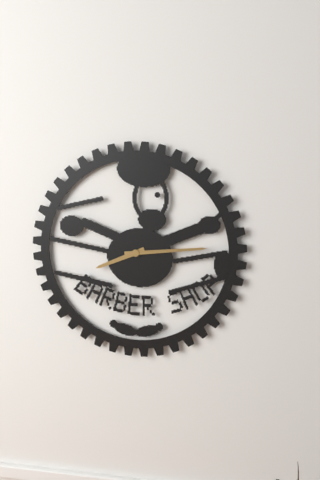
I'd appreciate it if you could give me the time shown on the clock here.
8:14
